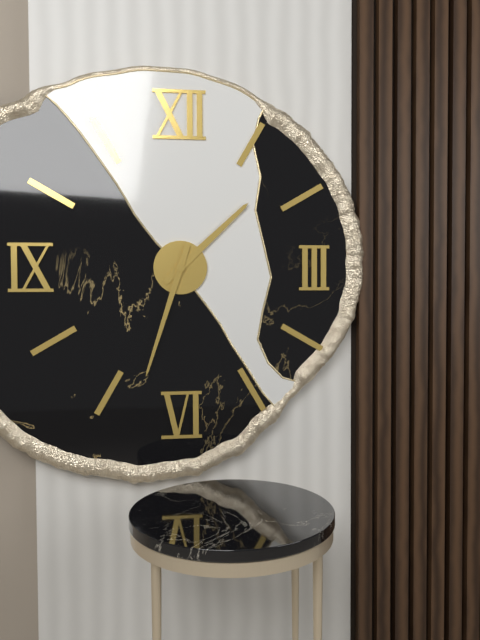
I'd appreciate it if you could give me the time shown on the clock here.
1:33
